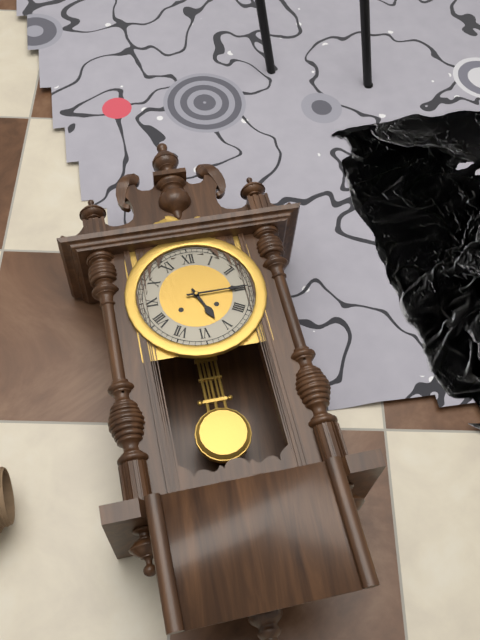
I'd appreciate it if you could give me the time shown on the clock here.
5:15
